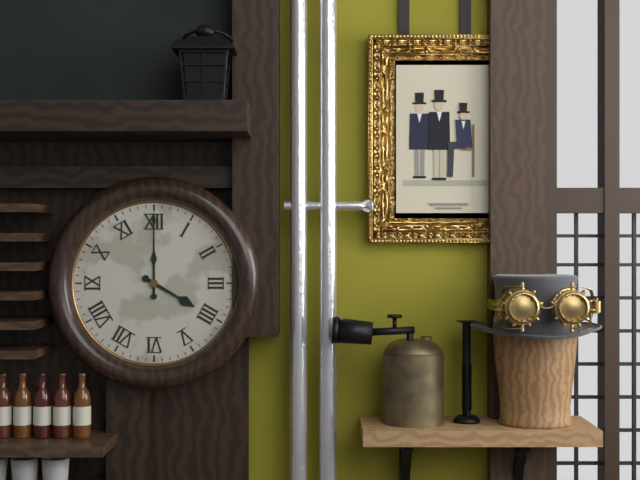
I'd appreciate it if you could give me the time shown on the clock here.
4:00
